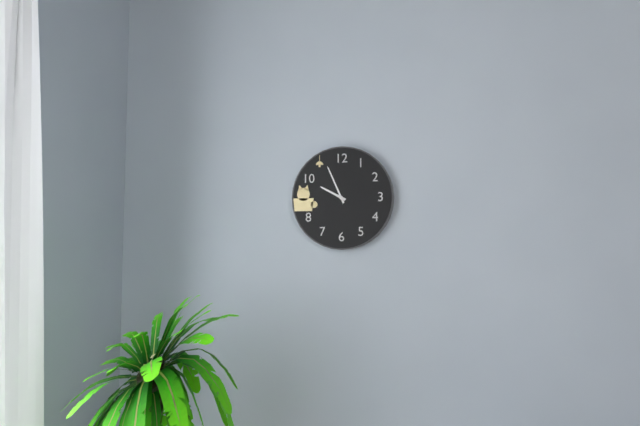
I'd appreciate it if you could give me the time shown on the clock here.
9:56
